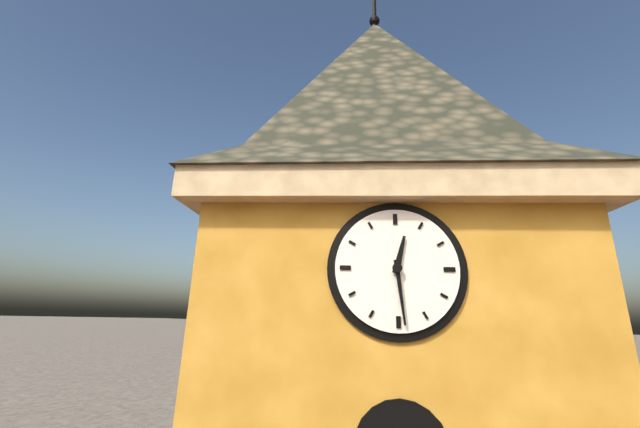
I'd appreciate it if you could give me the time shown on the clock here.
12:29
